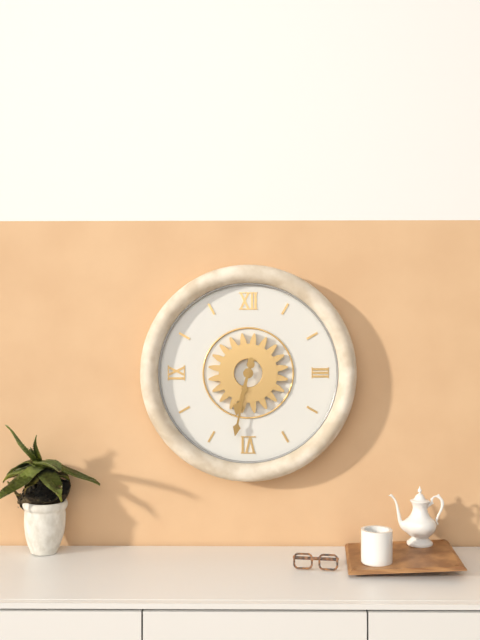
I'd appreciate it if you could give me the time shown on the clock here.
6:32
